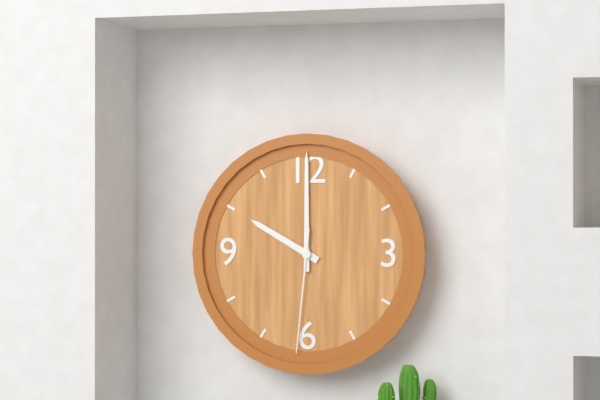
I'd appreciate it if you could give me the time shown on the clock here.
10:00:31
